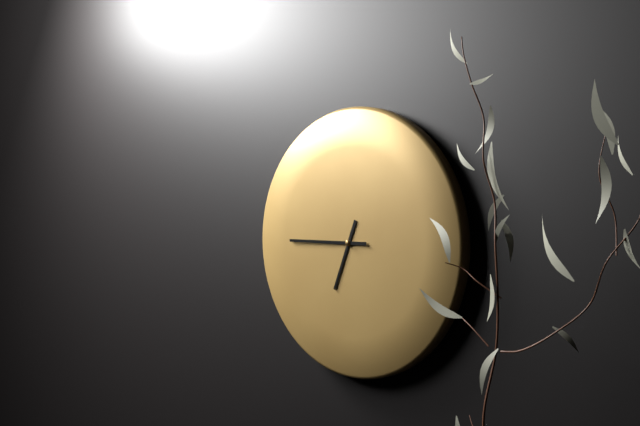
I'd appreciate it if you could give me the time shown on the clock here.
6:45
